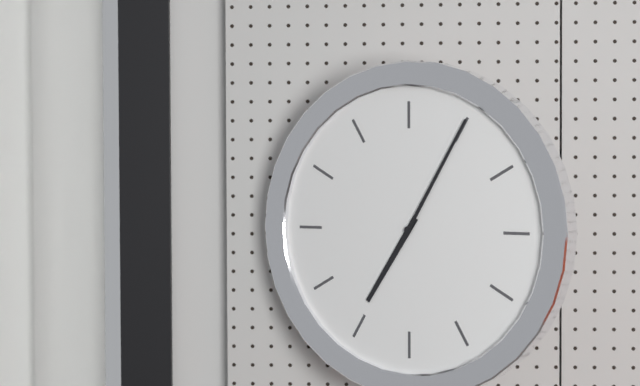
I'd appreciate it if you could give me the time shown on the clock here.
7:05
